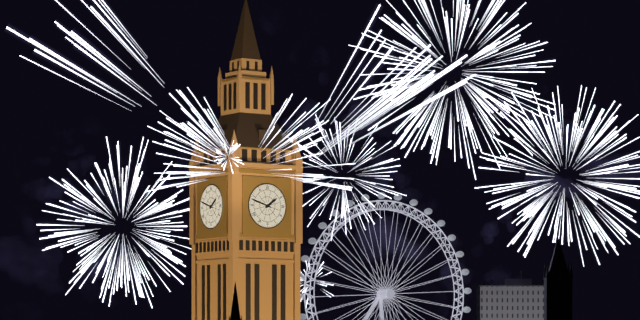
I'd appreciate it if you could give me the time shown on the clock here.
1:48
